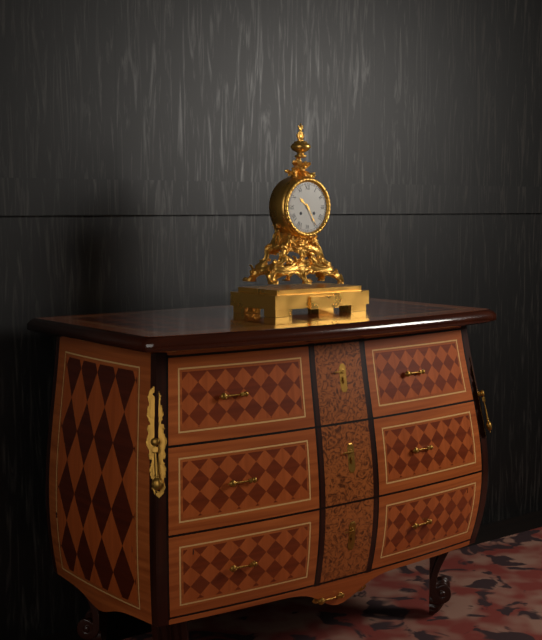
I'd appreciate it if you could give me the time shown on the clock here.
10:25
